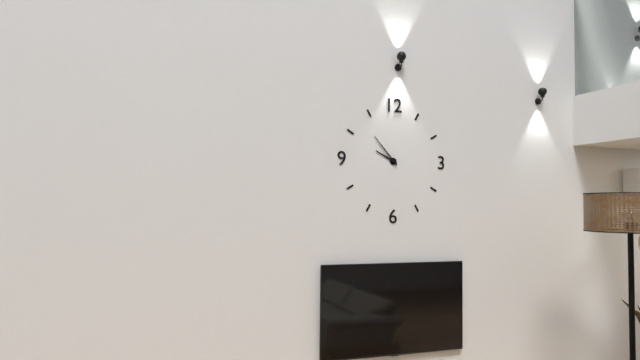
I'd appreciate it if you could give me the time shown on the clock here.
9:53
